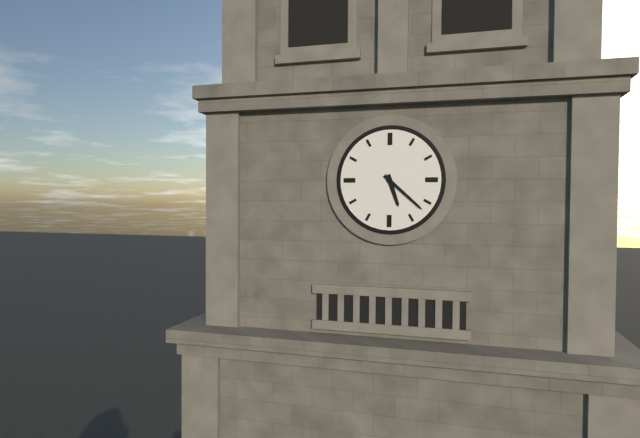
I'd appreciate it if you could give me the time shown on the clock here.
5:22
